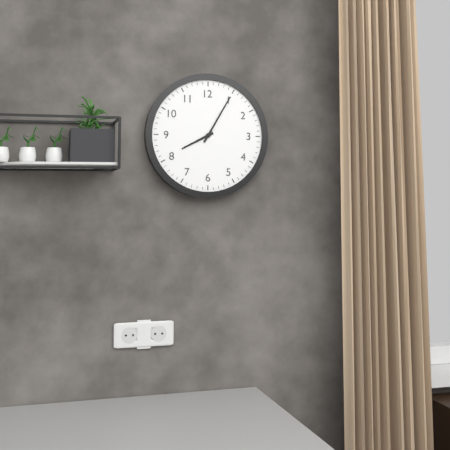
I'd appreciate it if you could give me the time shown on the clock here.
8:05
